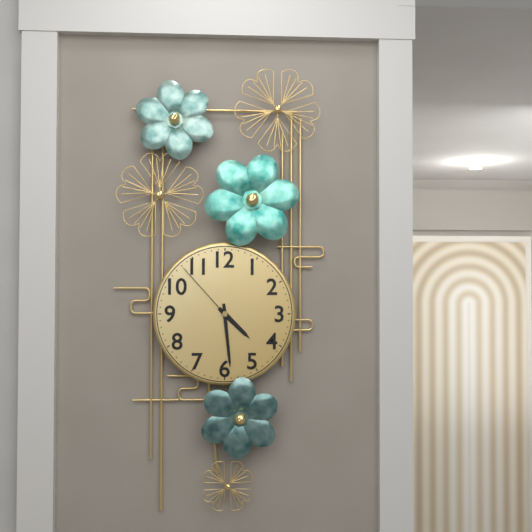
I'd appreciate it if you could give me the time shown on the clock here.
4:29:53
